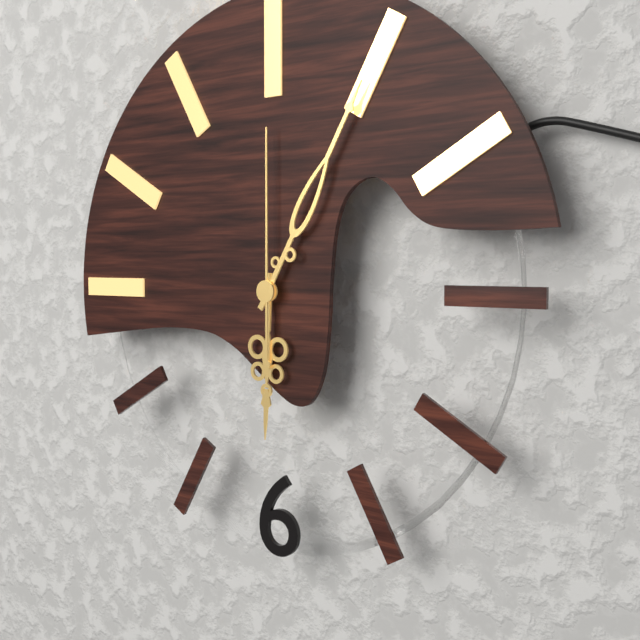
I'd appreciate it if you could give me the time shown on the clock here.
6:05:00
